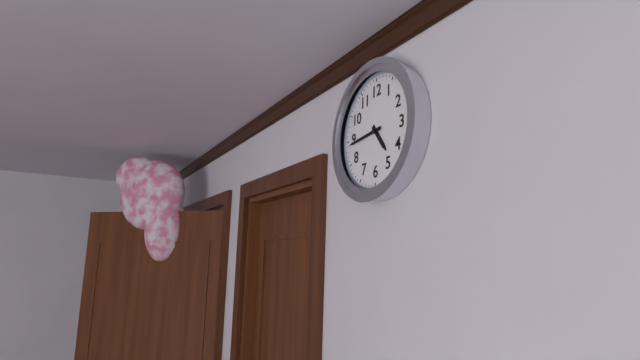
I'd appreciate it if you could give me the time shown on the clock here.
4:44
